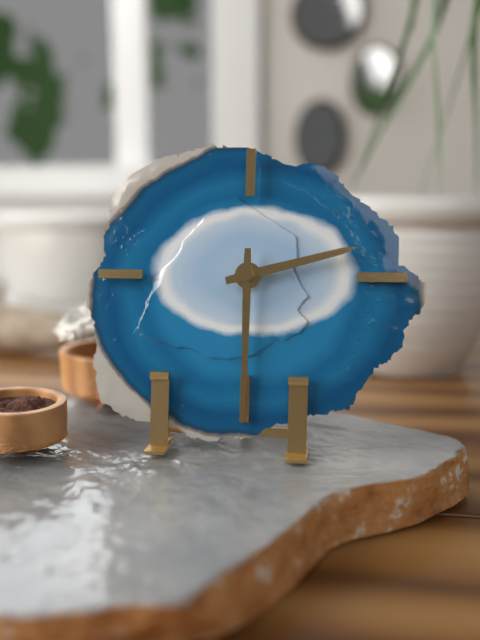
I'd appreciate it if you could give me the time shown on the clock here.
2:30
